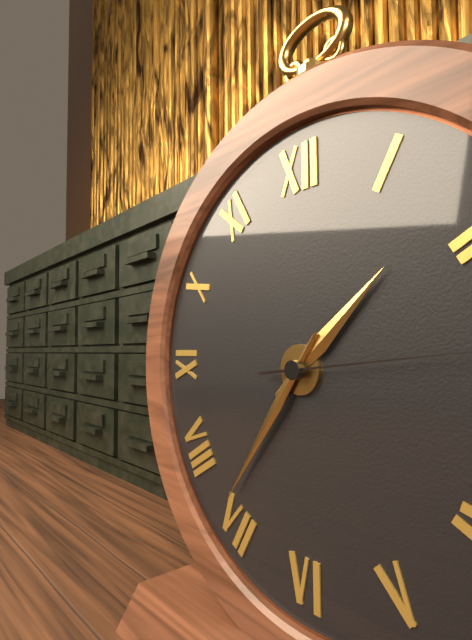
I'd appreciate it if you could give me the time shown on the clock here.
1:36
